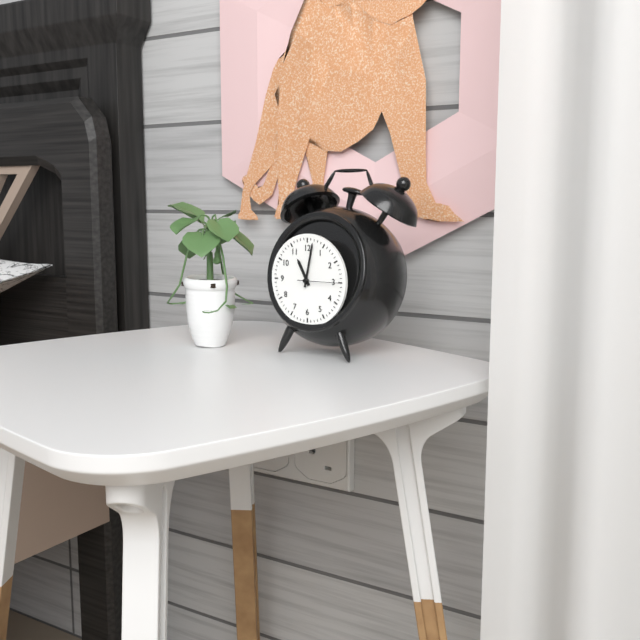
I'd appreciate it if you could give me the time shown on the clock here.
11:02
